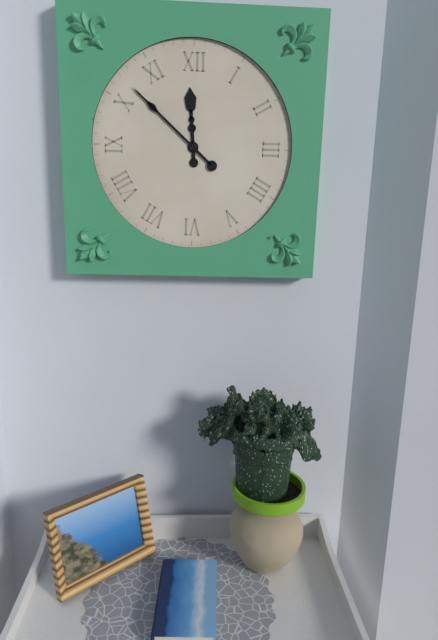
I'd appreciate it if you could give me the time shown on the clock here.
11:52
